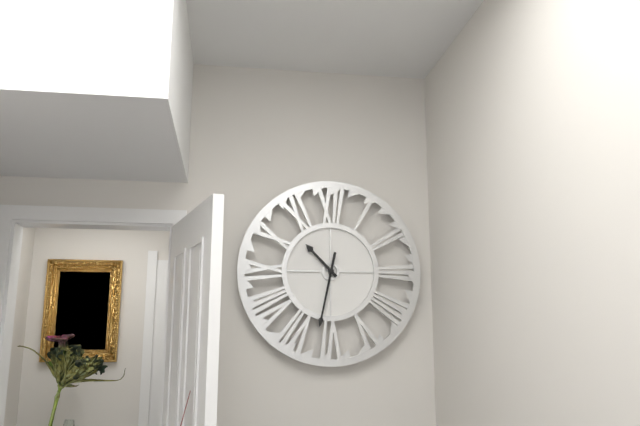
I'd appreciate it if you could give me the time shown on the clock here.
10:32
